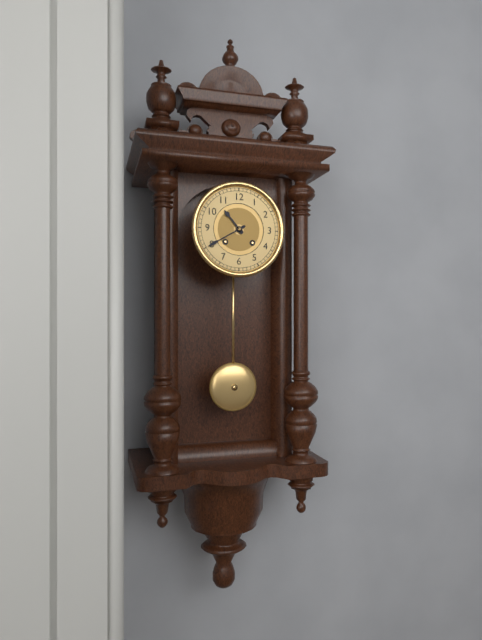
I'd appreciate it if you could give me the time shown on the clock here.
10:40
